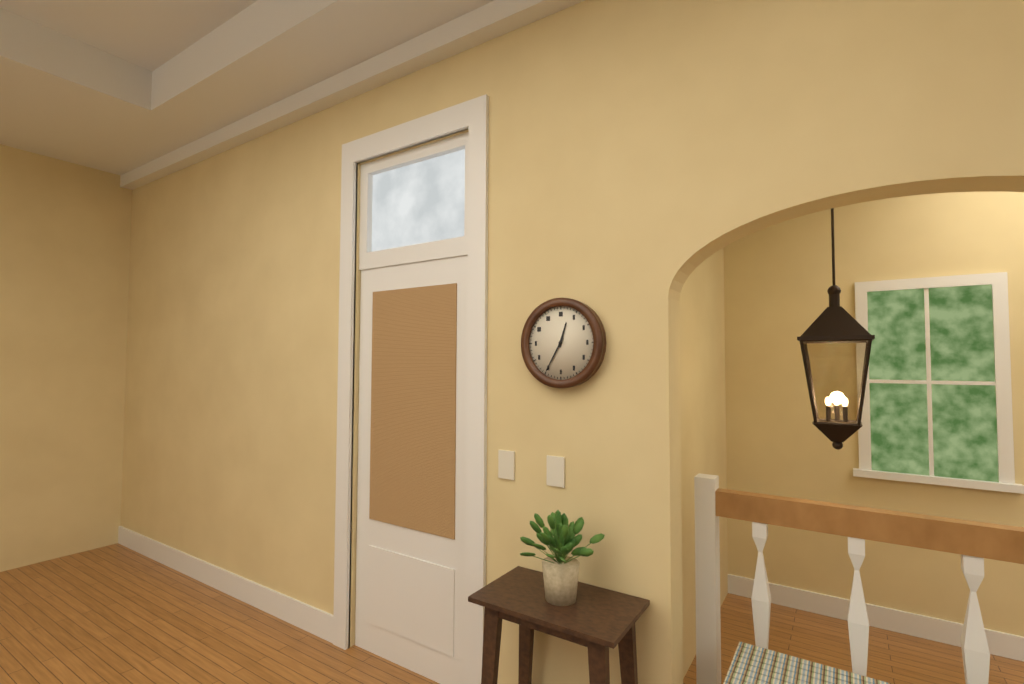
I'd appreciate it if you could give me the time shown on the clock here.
12:35
